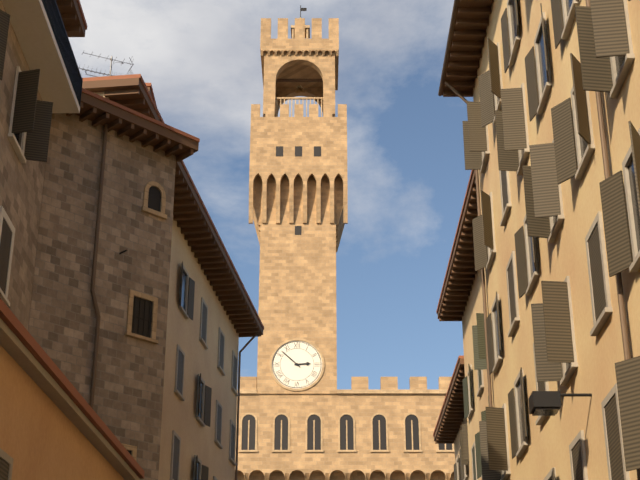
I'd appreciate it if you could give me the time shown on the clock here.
2:52
